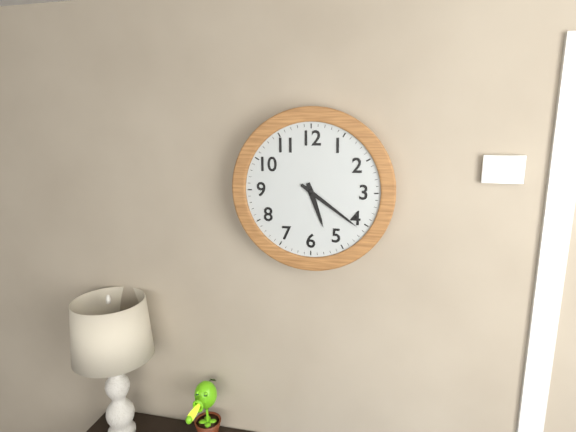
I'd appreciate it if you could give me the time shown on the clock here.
5:21
